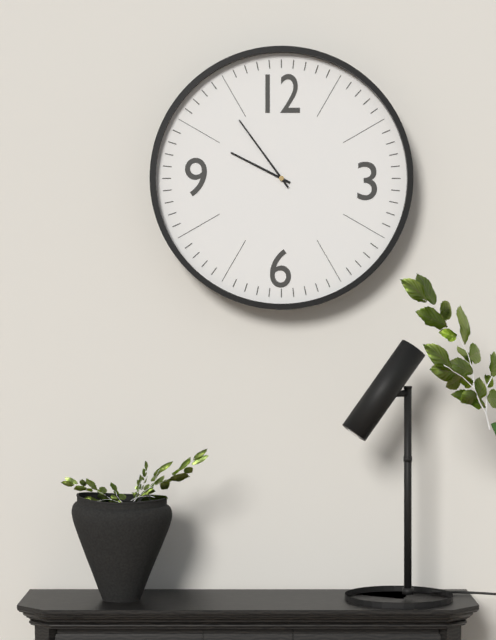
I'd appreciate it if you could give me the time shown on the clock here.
9:54
